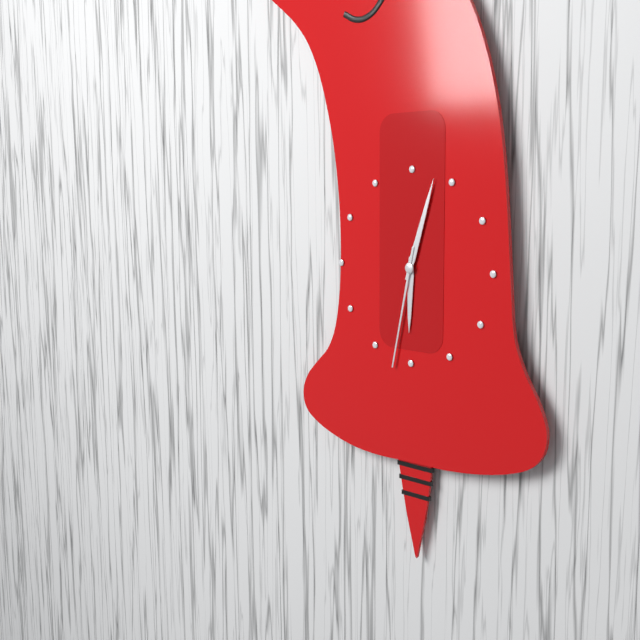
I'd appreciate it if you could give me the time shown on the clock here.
6:03:32
